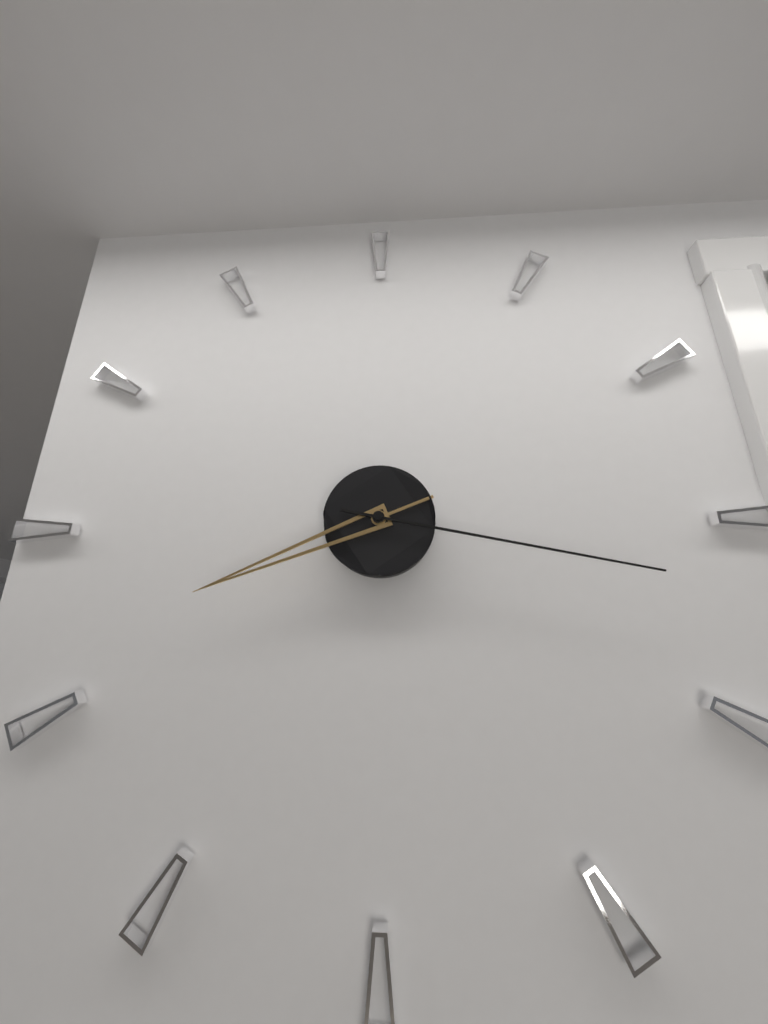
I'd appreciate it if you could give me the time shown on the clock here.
8:17
